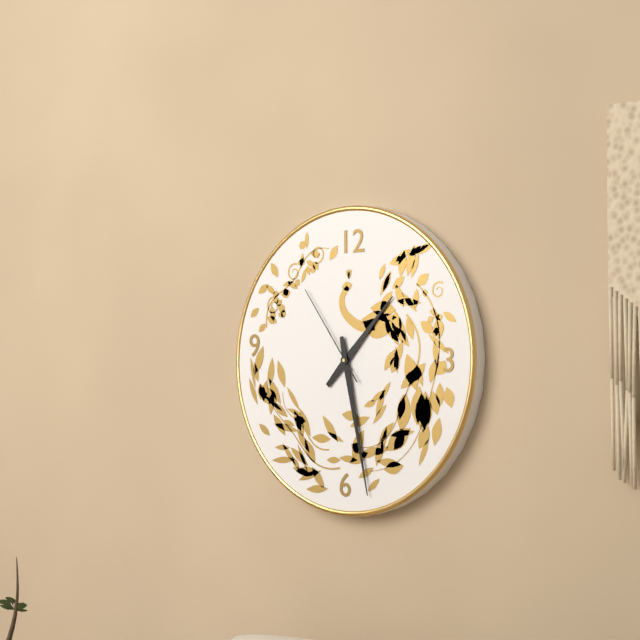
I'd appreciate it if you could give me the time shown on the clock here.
1:28:54
